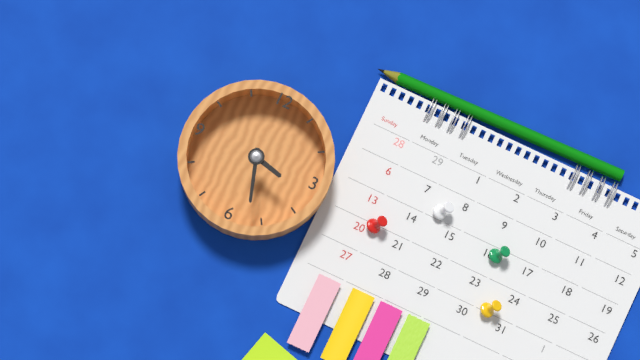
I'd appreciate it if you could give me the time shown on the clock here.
3:27
